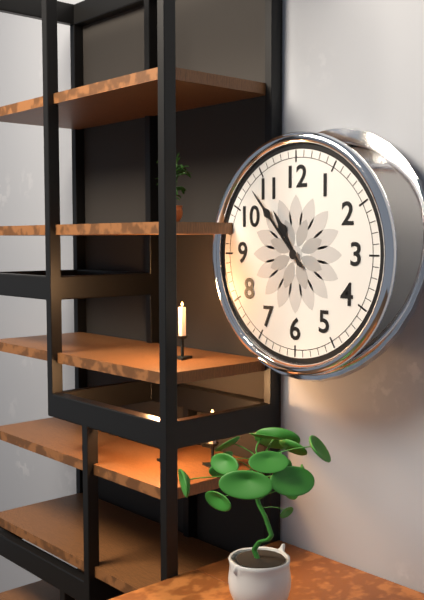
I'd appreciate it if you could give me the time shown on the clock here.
10:53
